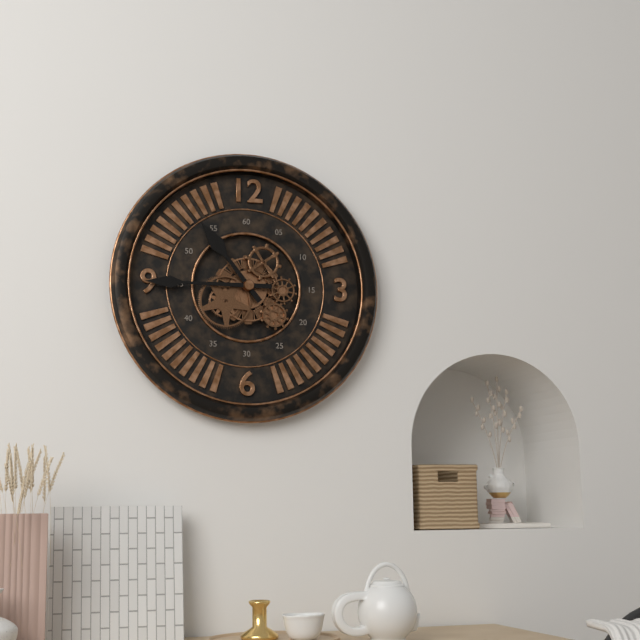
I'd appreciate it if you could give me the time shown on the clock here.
10:45
